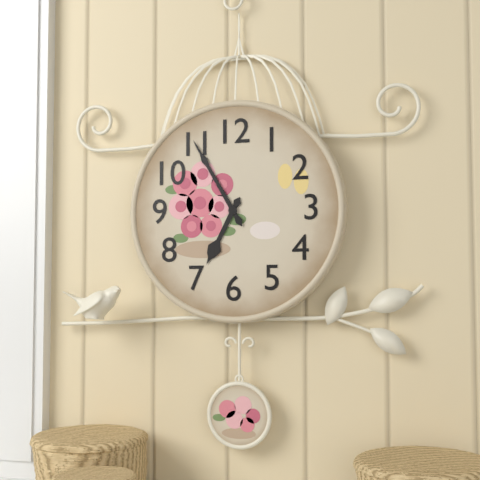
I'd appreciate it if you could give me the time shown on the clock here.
6:55
